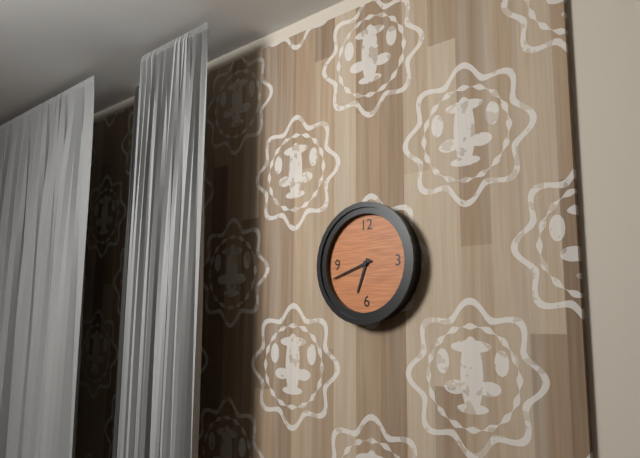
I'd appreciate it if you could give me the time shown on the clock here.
6:42
